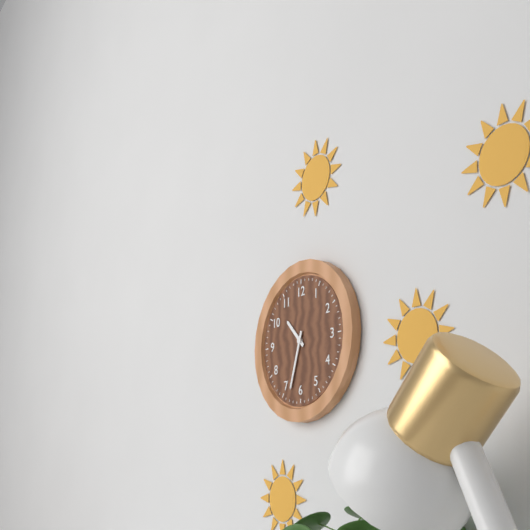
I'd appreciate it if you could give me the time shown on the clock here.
10:33
